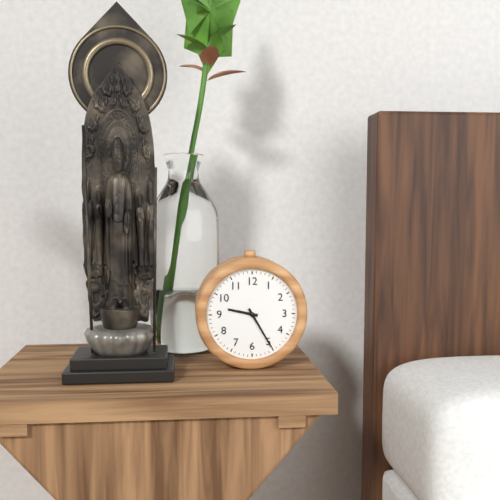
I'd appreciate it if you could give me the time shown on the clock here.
9:25
